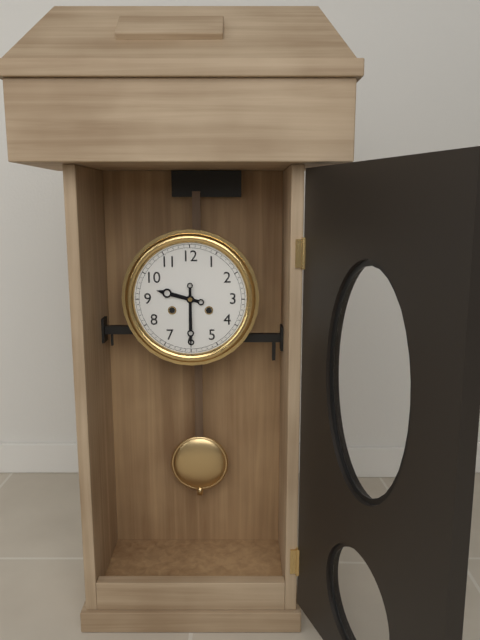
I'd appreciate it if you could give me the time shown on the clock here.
9:30
